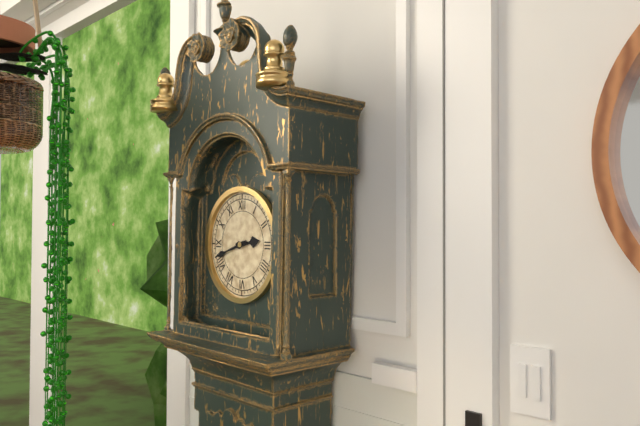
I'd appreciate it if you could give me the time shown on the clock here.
2:42
